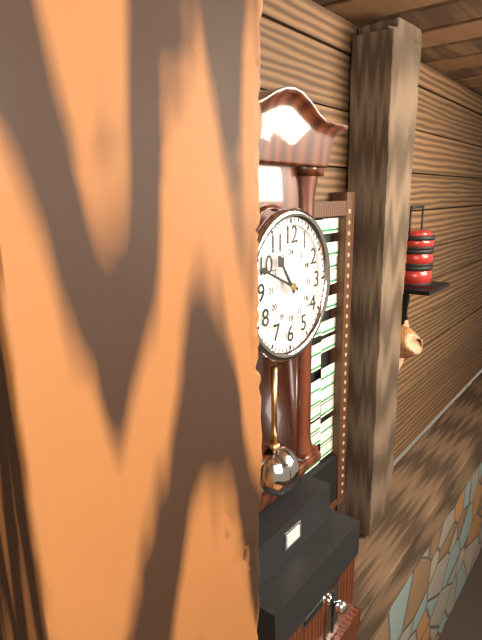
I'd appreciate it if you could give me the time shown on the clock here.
10:49
